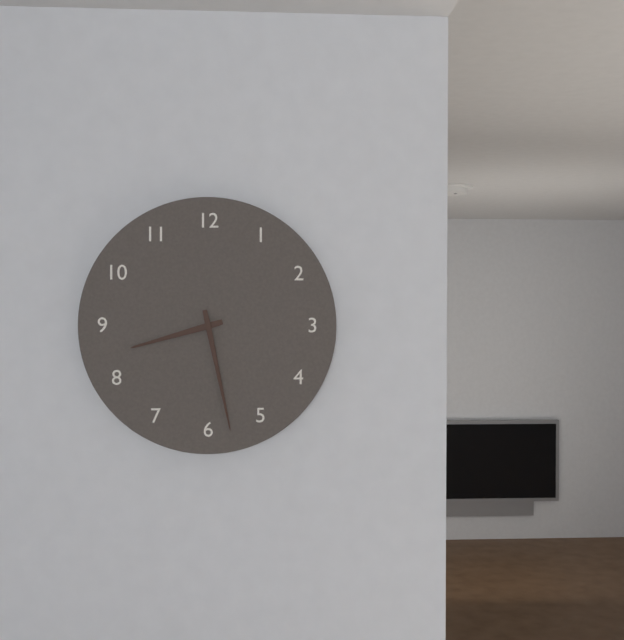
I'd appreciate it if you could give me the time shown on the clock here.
8:28
